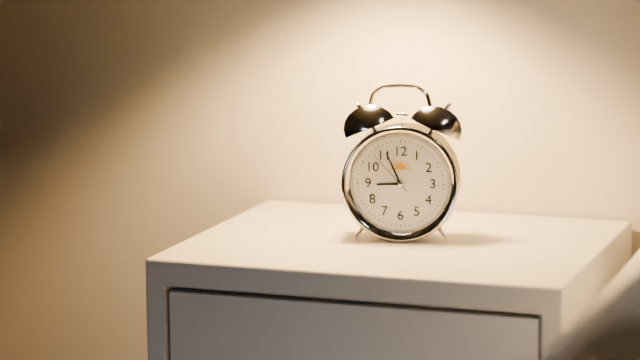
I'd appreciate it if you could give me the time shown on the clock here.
8:56
